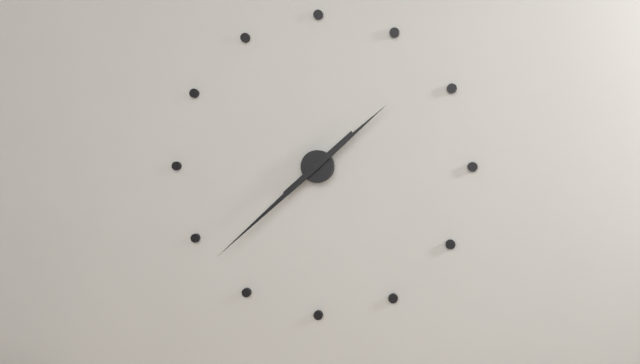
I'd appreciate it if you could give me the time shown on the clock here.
1:38
